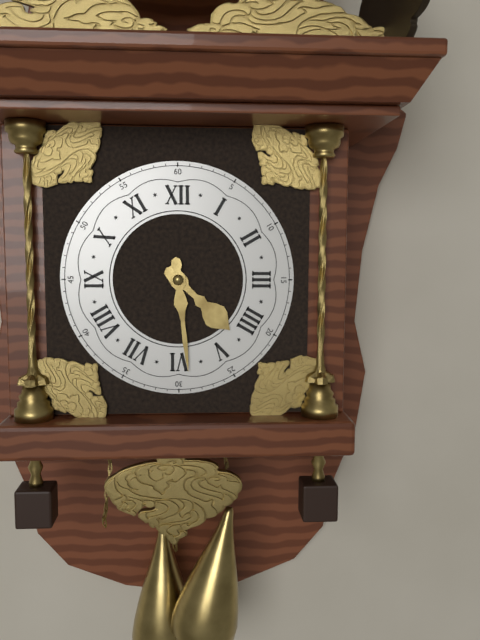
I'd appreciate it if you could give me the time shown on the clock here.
4:29
